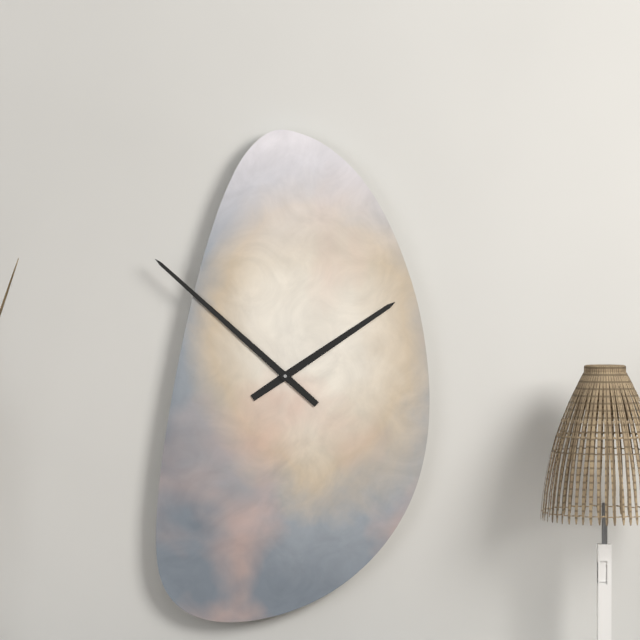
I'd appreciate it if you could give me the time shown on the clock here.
1:52
